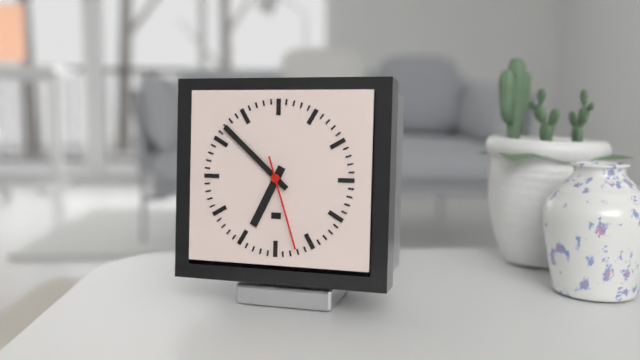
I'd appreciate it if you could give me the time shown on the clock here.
6:52:27
